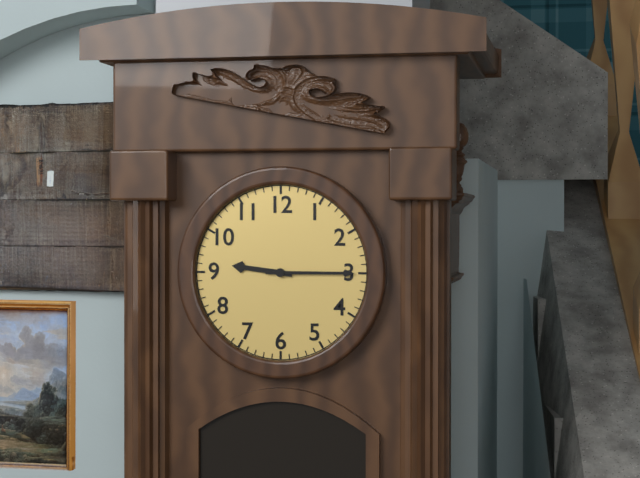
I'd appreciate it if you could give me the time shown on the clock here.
9:15
